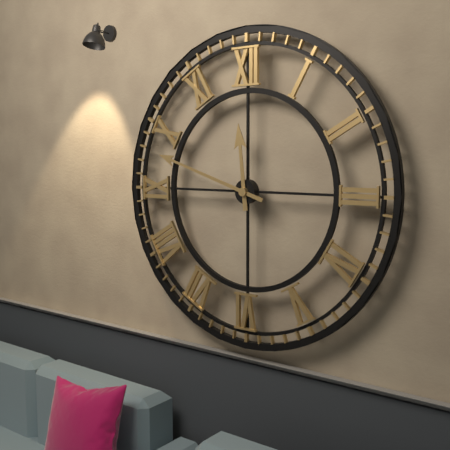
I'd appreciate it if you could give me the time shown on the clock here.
11:48
